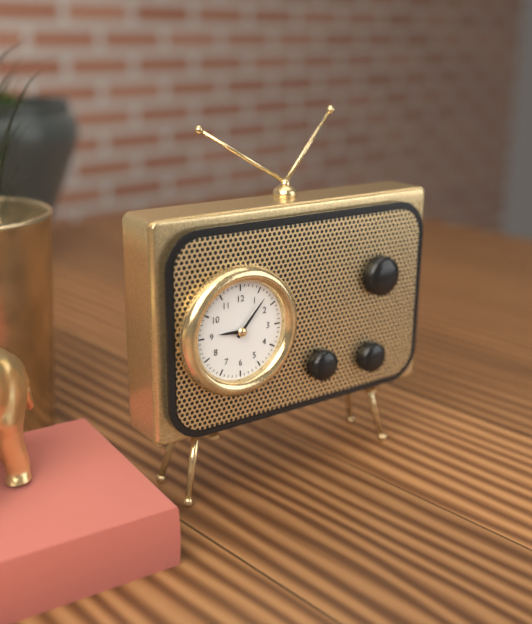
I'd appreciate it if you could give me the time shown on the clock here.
9:07
